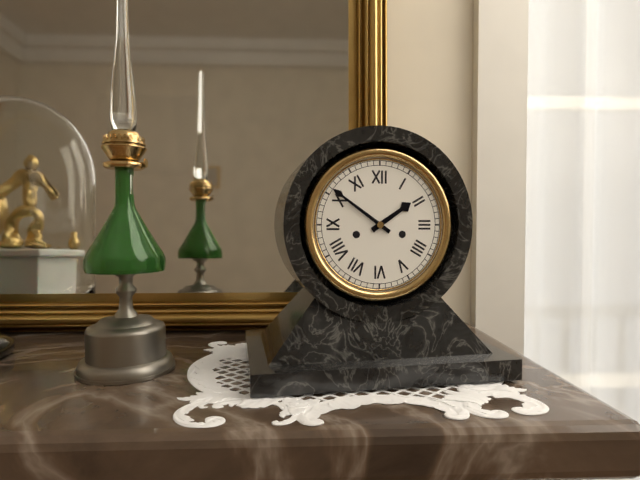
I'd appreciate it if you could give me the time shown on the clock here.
1:51
